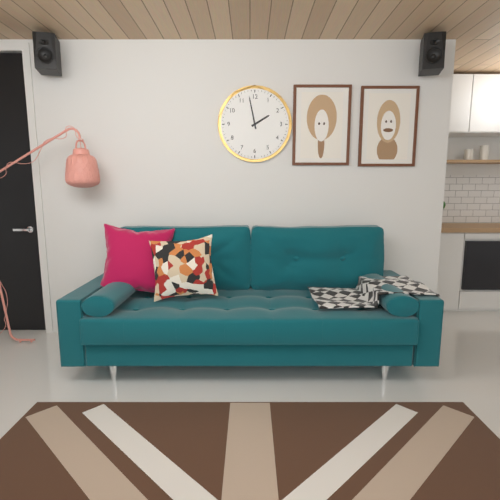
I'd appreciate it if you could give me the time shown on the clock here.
1:58
